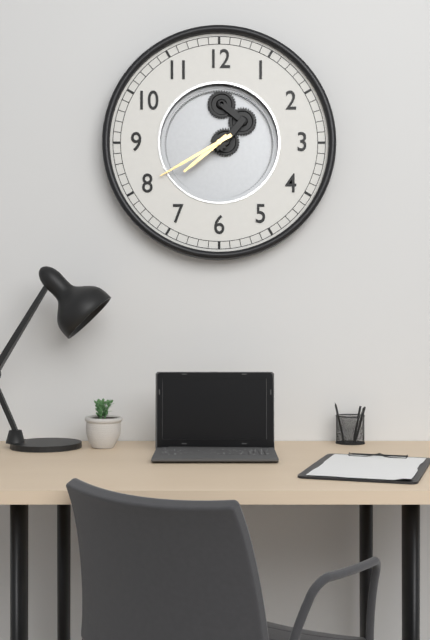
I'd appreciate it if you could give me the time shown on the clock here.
7:40
